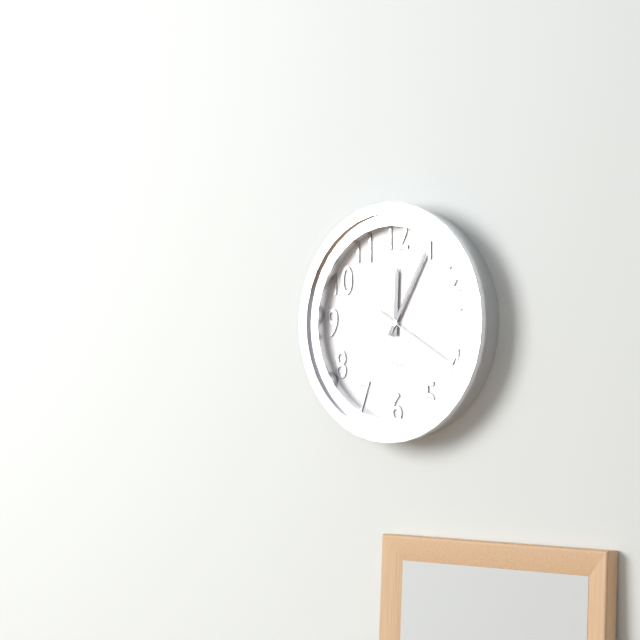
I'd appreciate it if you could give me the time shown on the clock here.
12:05:20
